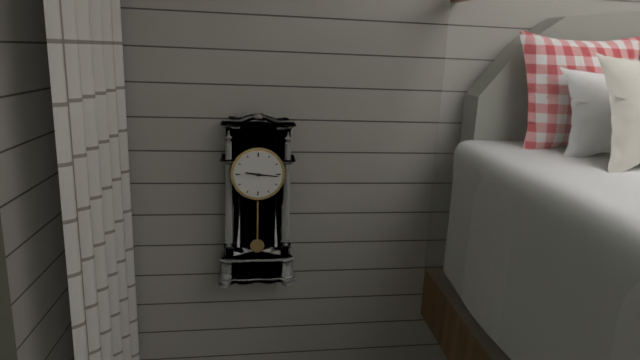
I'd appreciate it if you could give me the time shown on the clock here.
9:16
